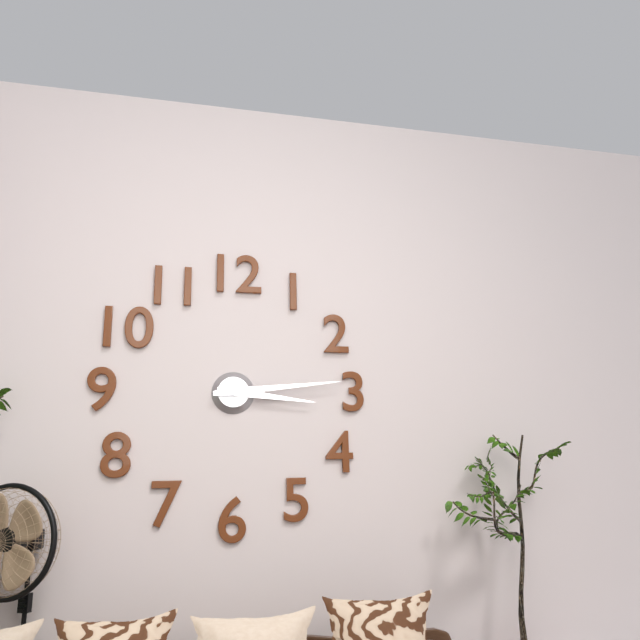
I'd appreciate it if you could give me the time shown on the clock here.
3:14
